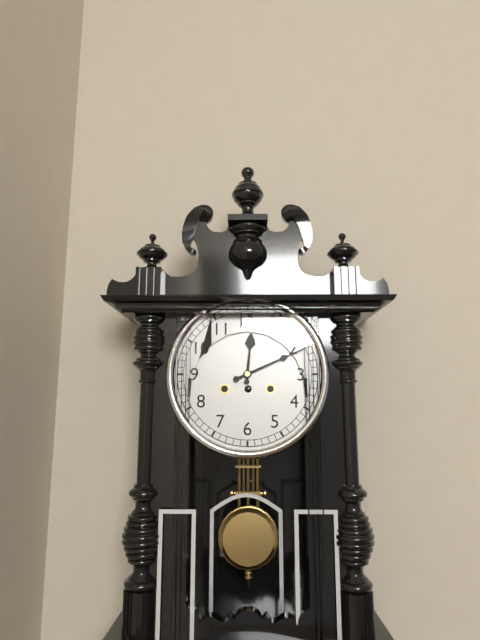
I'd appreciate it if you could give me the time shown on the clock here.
12:11
